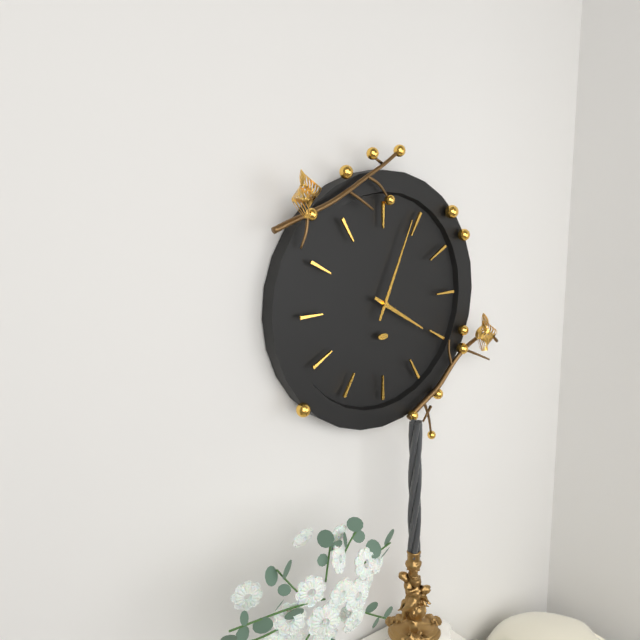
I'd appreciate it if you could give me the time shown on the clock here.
4:04
